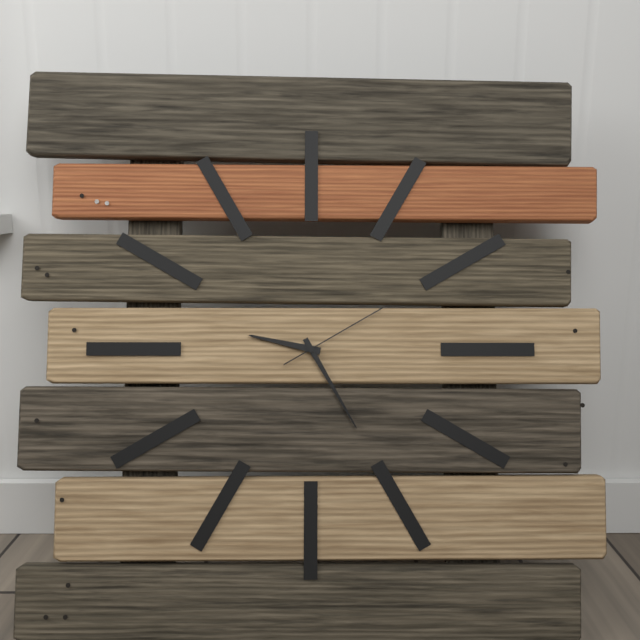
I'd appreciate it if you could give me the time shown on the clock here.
9:25:10
